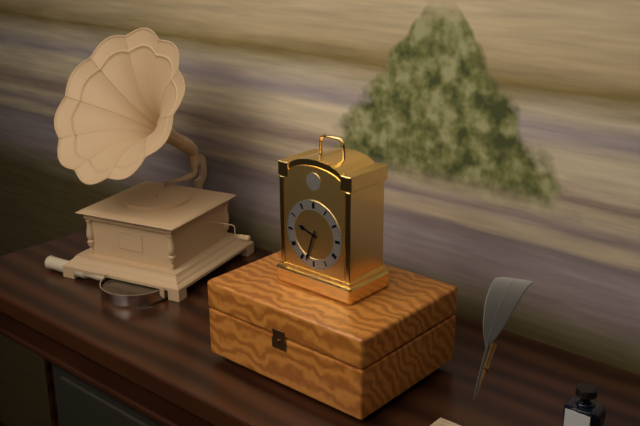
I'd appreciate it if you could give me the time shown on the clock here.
9:33
